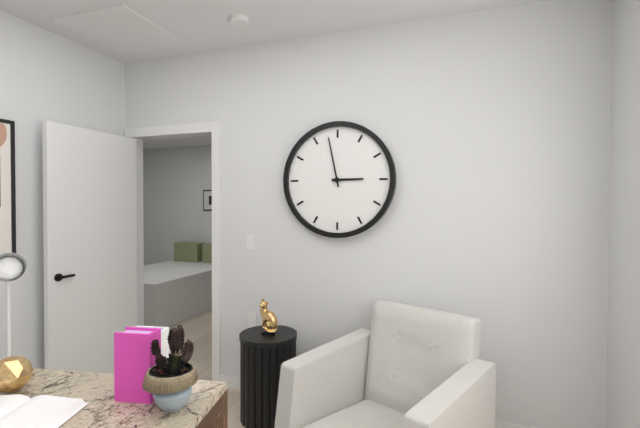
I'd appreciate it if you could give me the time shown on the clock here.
2:58
